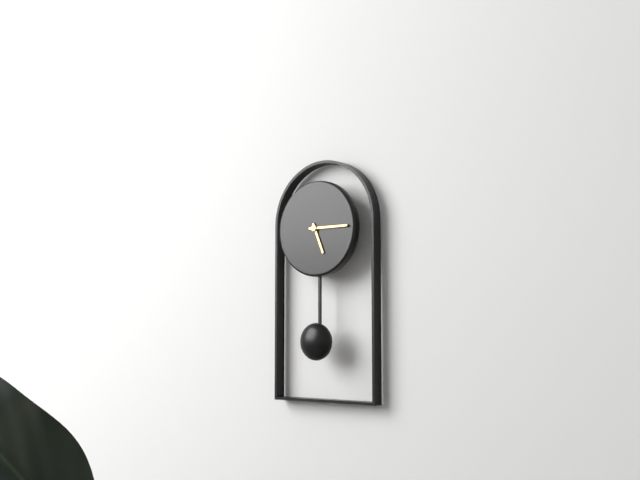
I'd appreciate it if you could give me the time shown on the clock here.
5:15
